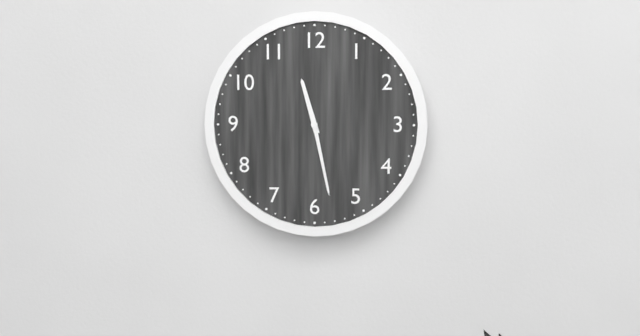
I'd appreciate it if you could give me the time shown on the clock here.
11:28
